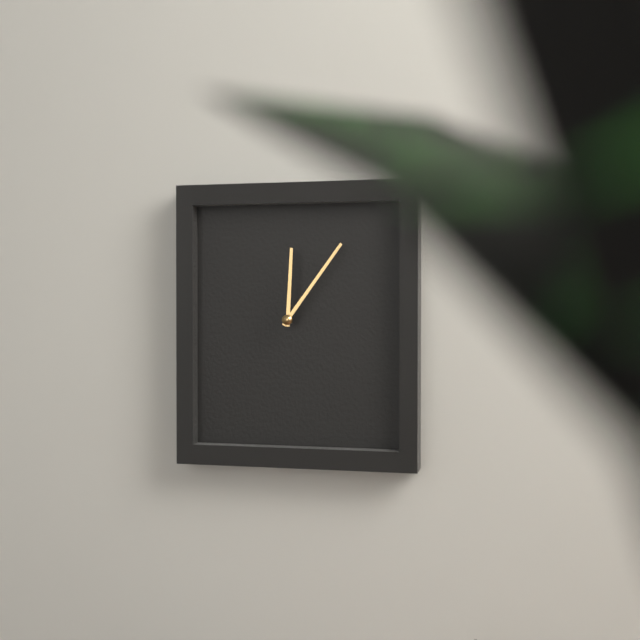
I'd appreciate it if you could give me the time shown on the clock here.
12:06
